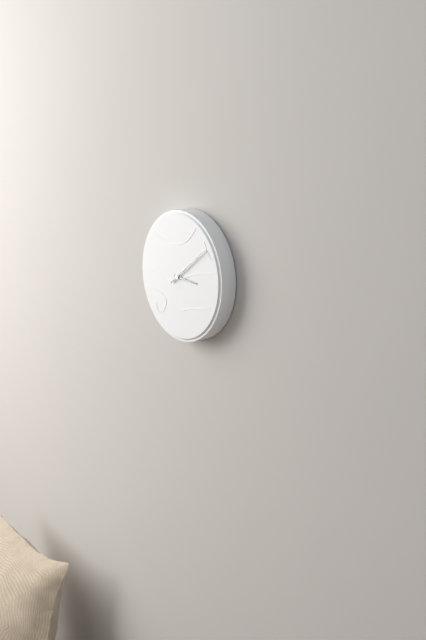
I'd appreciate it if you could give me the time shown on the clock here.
3:09
